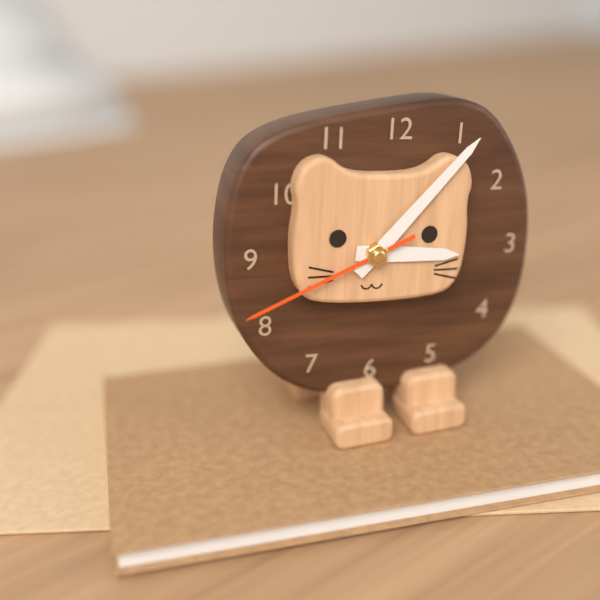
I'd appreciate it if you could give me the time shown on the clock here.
3:07:41
